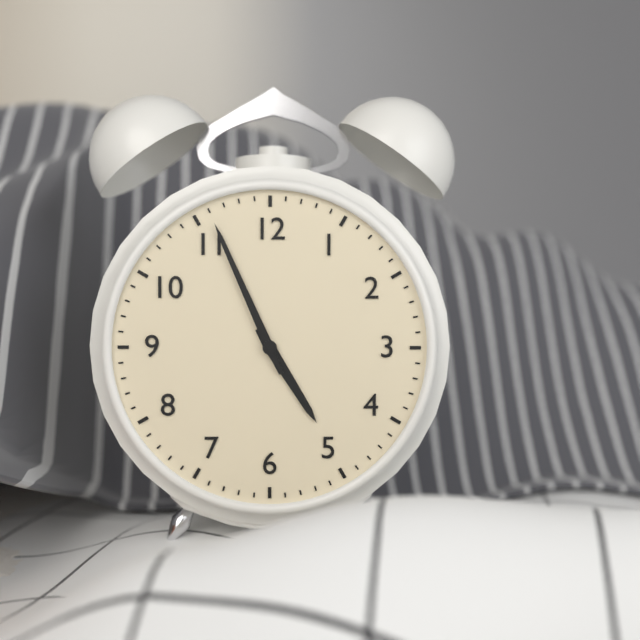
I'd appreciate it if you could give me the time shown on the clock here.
4:56
